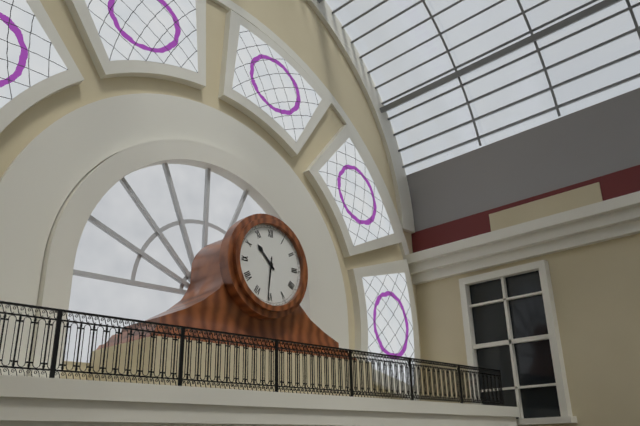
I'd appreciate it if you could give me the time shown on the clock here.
10:31
